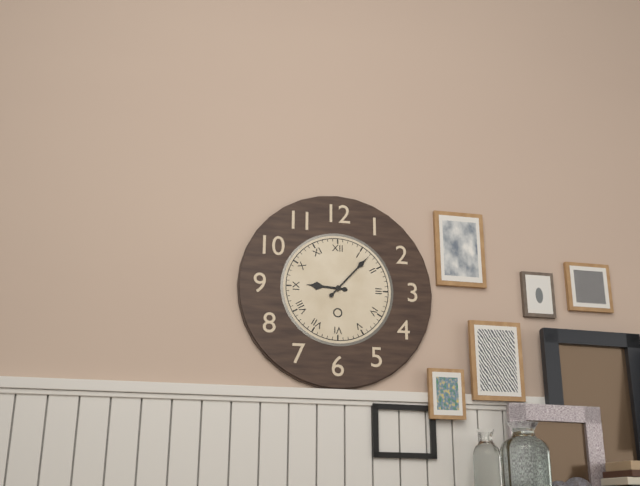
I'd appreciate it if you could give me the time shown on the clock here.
9:07
